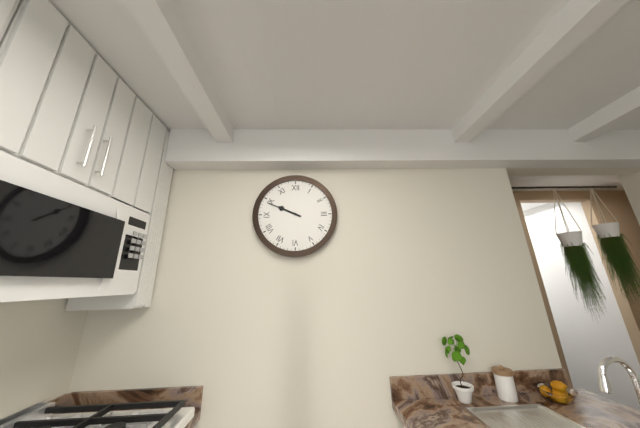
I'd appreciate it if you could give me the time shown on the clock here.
9:49
